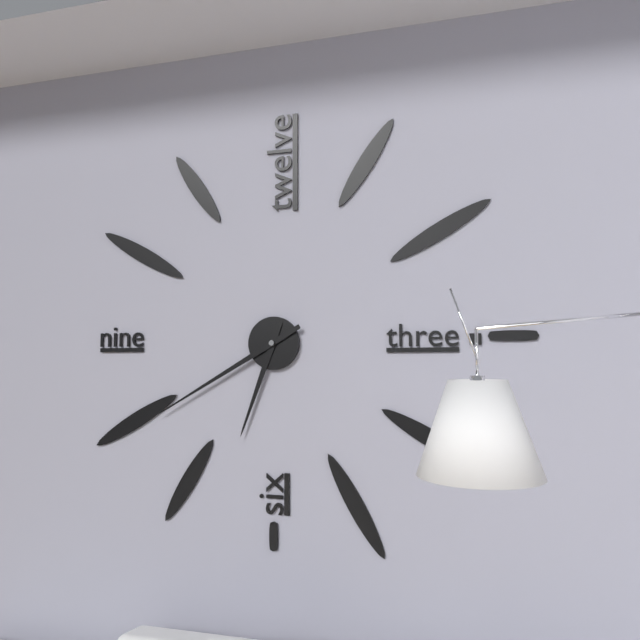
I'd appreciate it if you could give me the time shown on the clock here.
6:40
